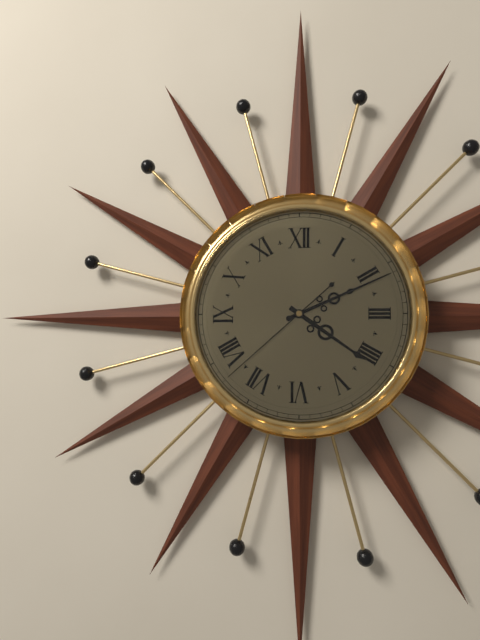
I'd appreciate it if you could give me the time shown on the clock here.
4:11:38
